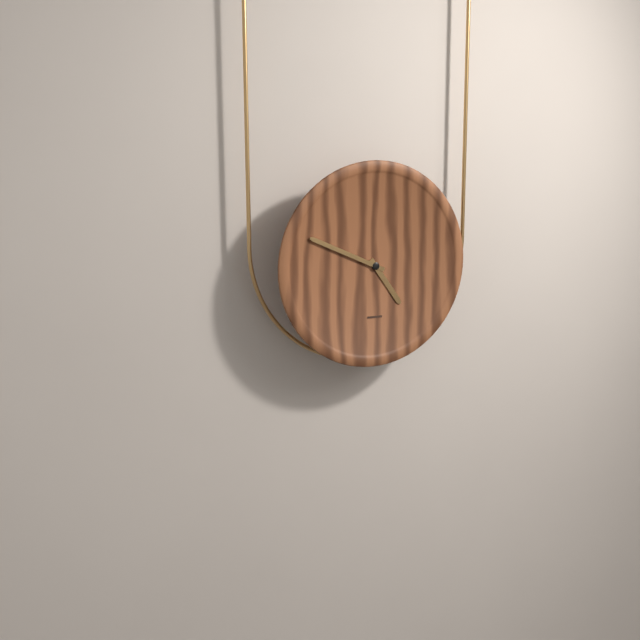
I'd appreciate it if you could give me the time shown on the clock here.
4:49
